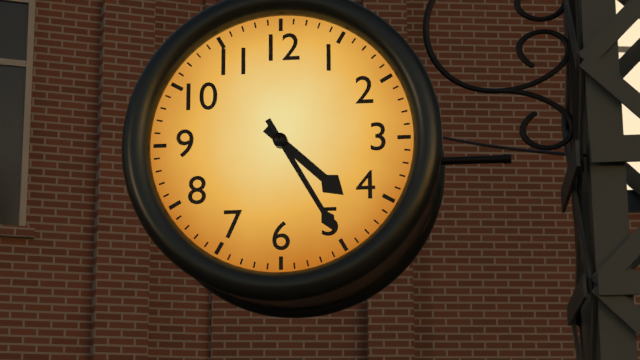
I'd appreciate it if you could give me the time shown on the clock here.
4:25
